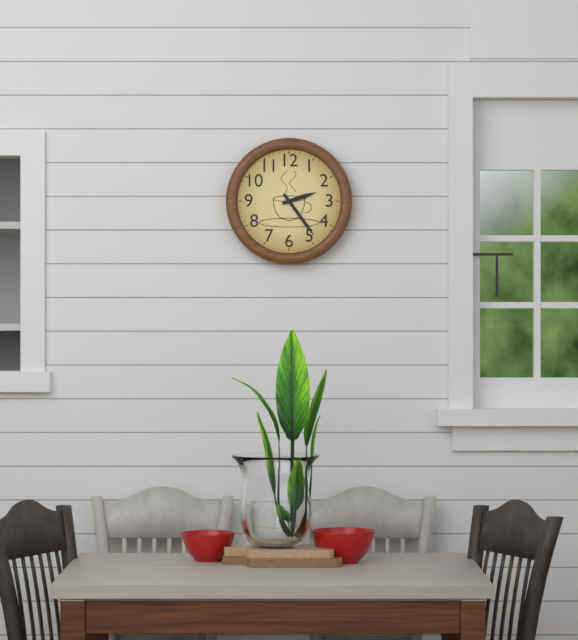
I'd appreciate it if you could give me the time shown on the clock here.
2:24
